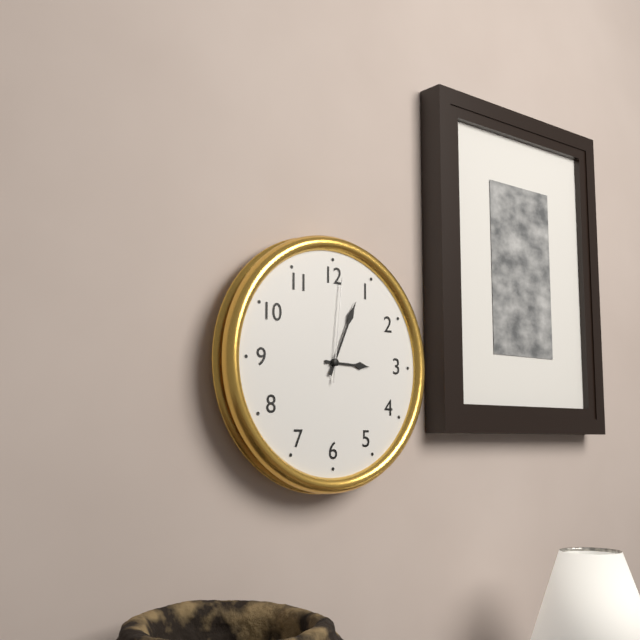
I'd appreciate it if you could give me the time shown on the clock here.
3:04:01
